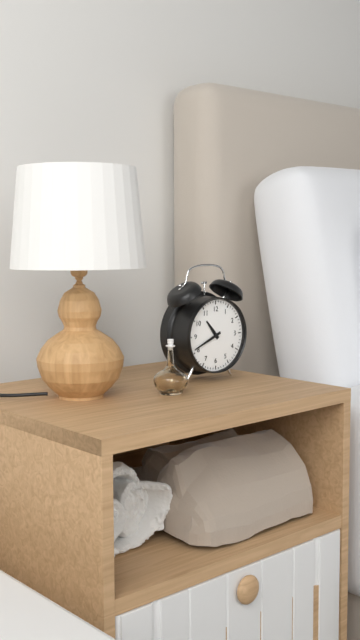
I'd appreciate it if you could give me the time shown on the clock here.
10:41
